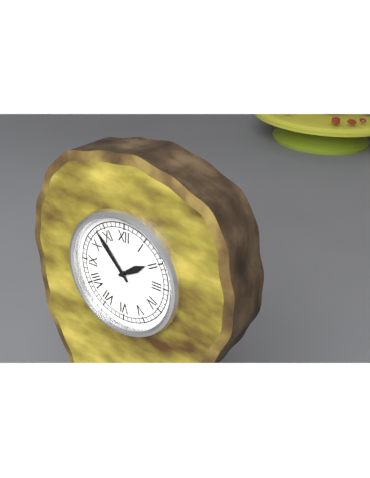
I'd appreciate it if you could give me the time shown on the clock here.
1:53
